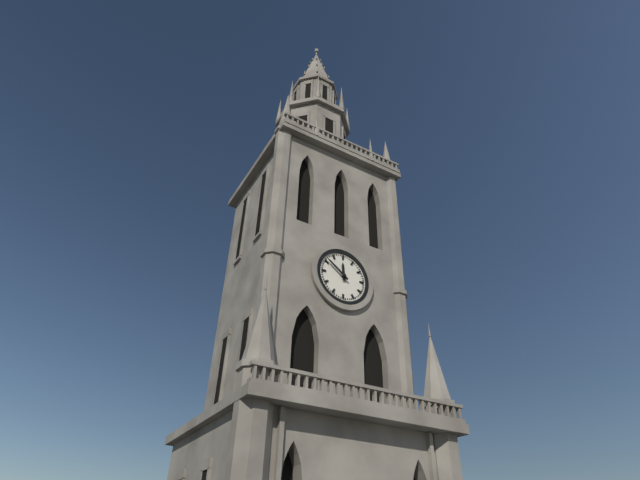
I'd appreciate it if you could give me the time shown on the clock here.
11:51
